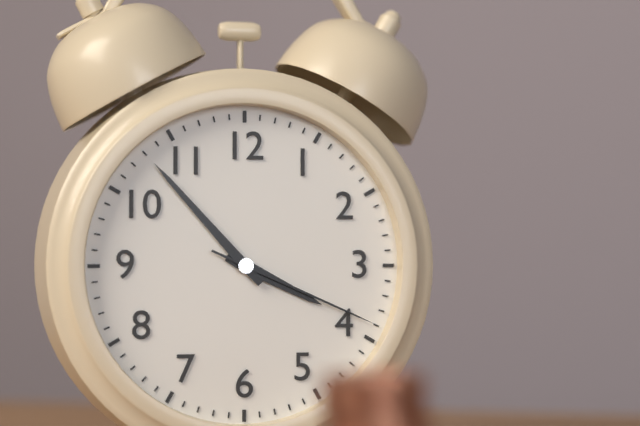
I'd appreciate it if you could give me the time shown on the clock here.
3:53:19
